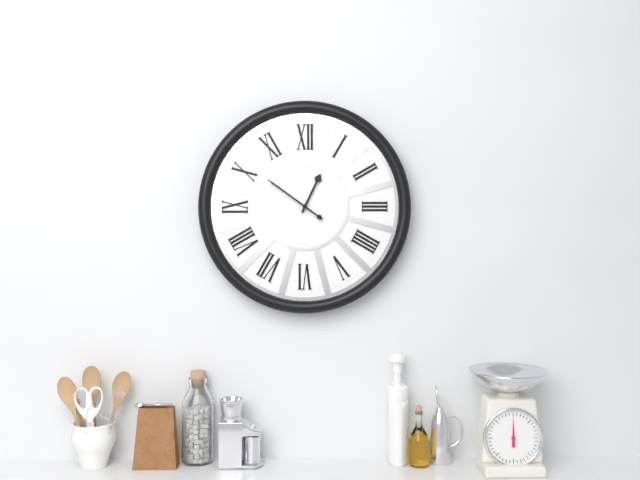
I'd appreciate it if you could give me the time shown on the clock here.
12:51
